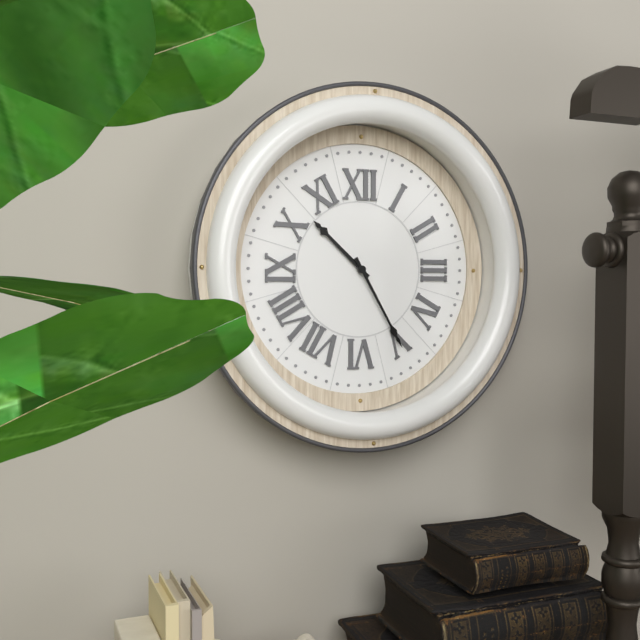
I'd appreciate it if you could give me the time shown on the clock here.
10:25
